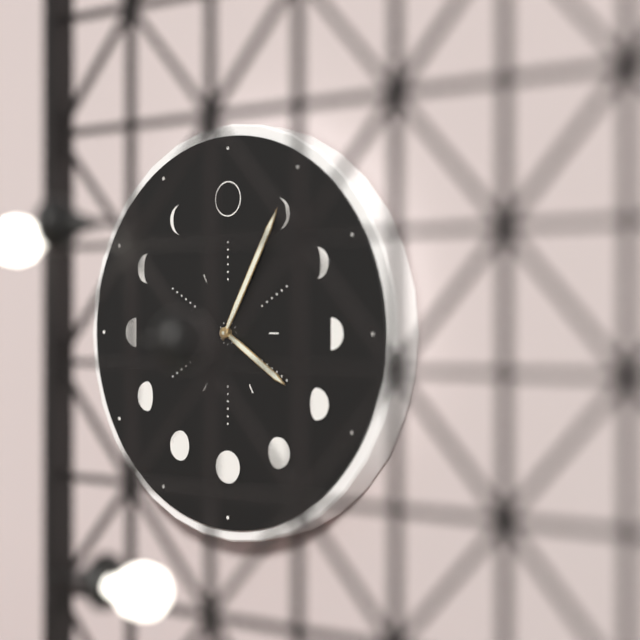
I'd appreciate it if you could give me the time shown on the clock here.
4:05
